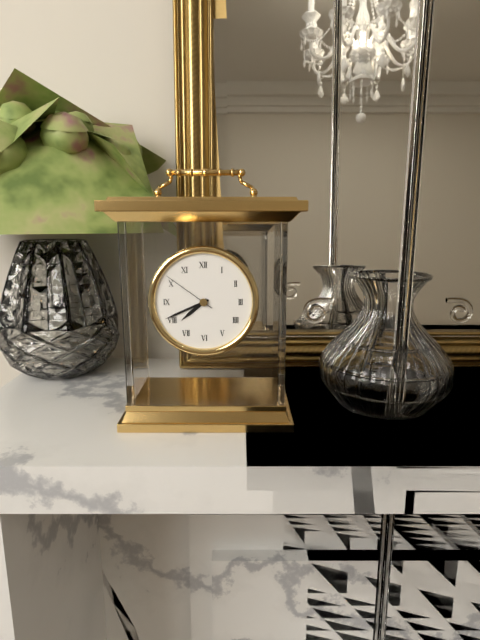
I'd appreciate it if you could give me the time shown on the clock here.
7:41:51
